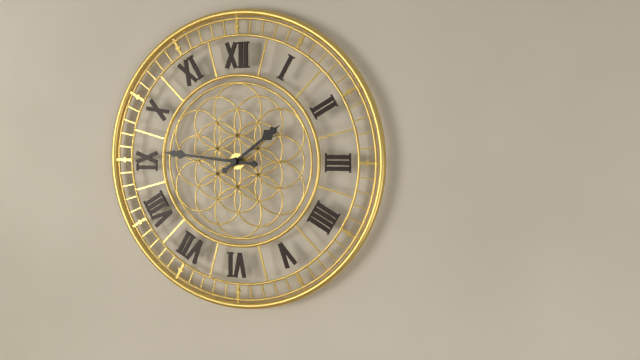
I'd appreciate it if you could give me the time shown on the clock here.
1:46
